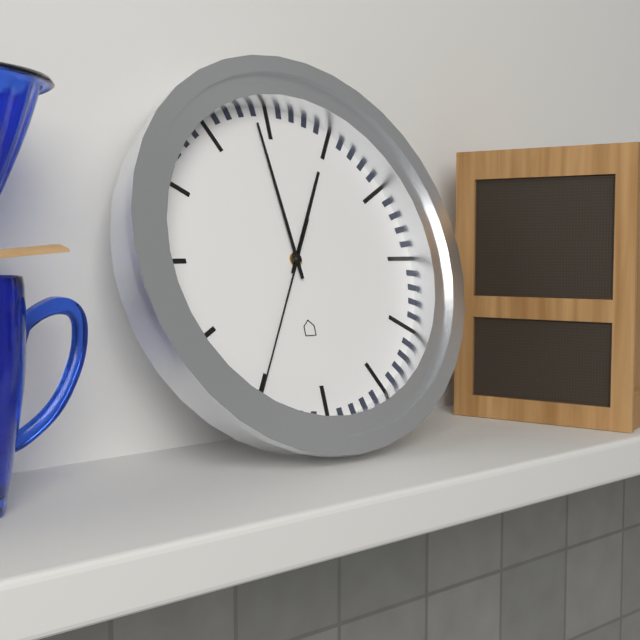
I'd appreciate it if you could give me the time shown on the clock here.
12:59:35
